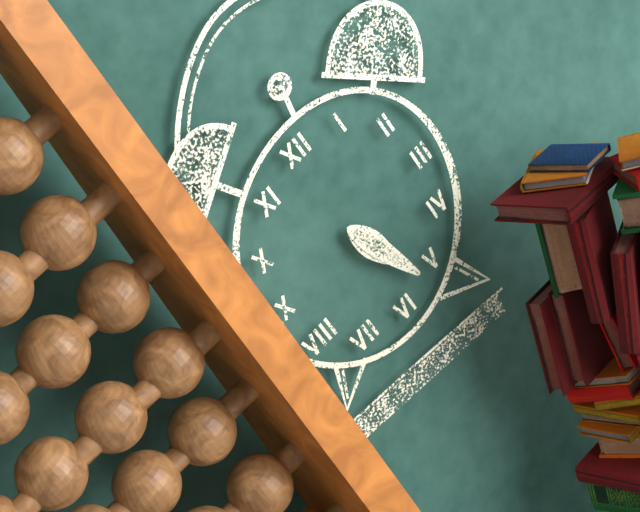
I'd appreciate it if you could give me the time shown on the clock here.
5:27
